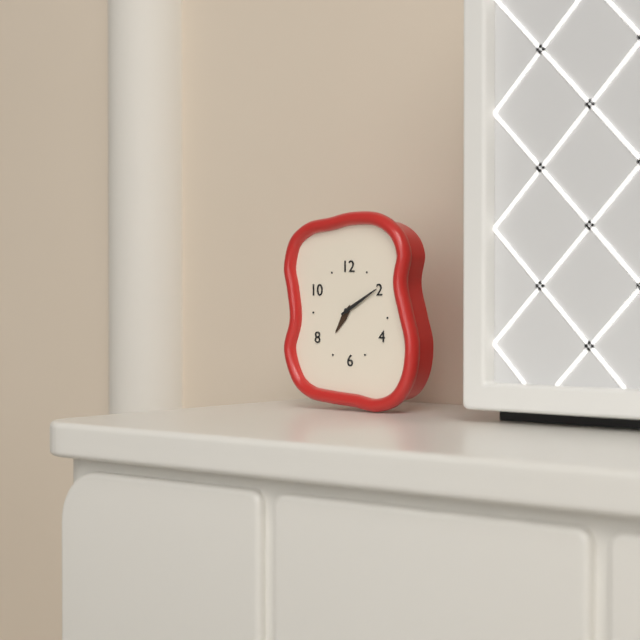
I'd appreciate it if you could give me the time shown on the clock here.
7:10
